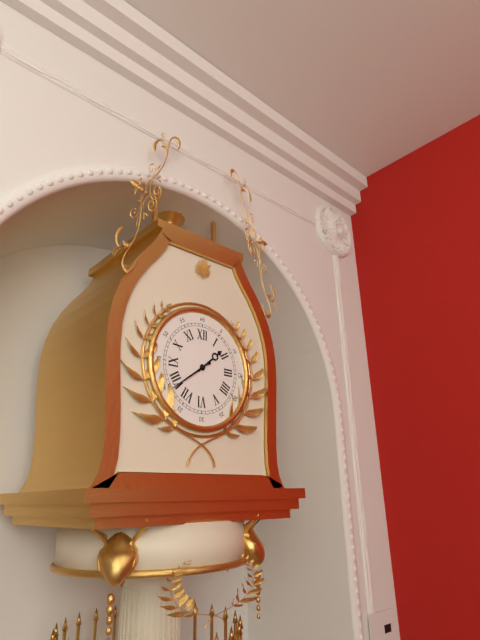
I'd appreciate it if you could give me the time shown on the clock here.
1:39
